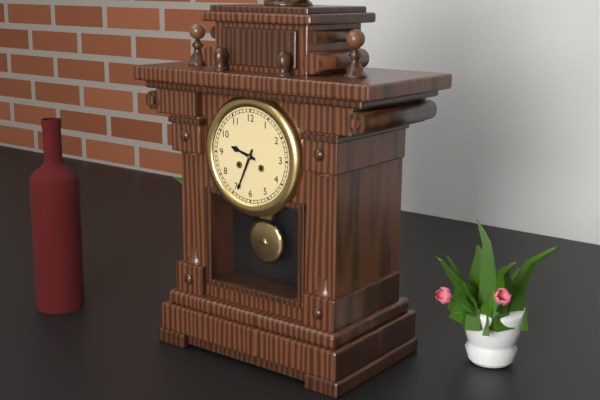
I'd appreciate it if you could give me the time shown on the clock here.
9:34
